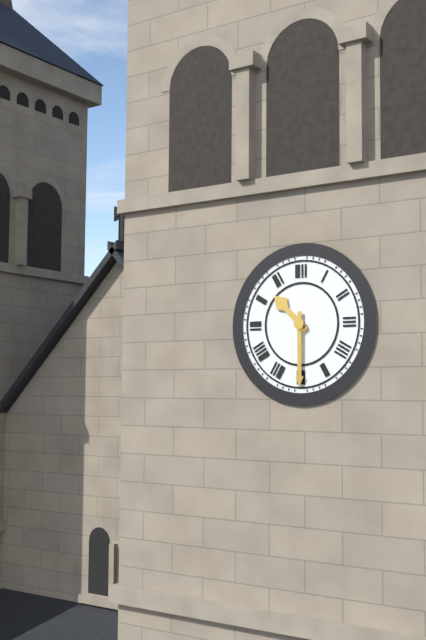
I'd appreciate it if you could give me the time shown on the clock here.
10:30
